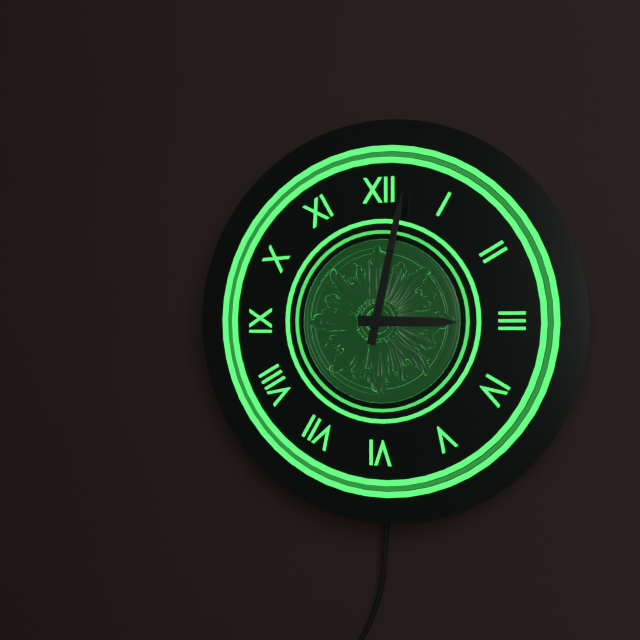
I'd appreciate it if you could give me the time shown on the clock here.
3:02
